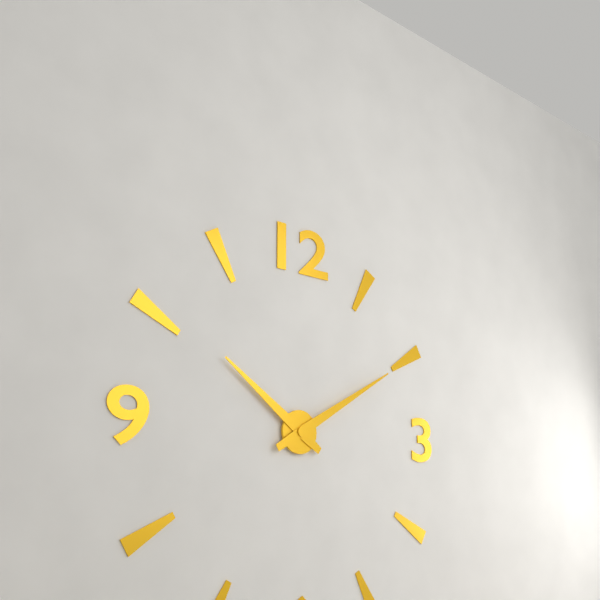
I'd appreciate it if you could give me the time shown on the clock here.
10:10
